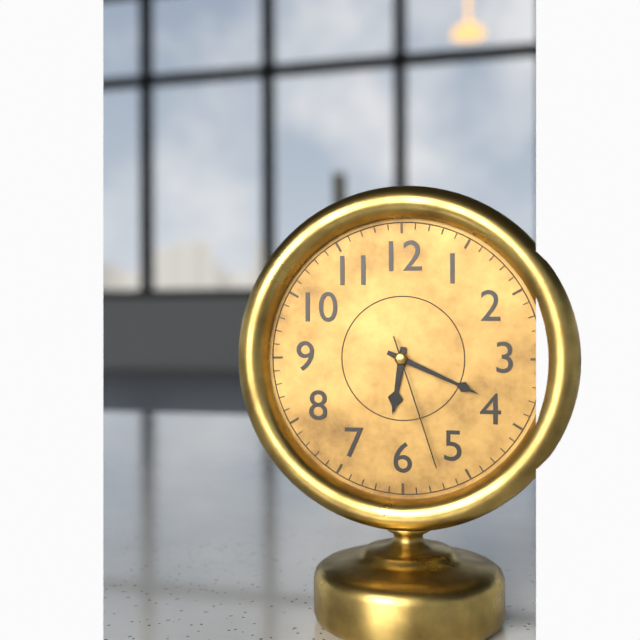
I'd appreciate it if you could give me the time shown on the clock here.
6:19:27
